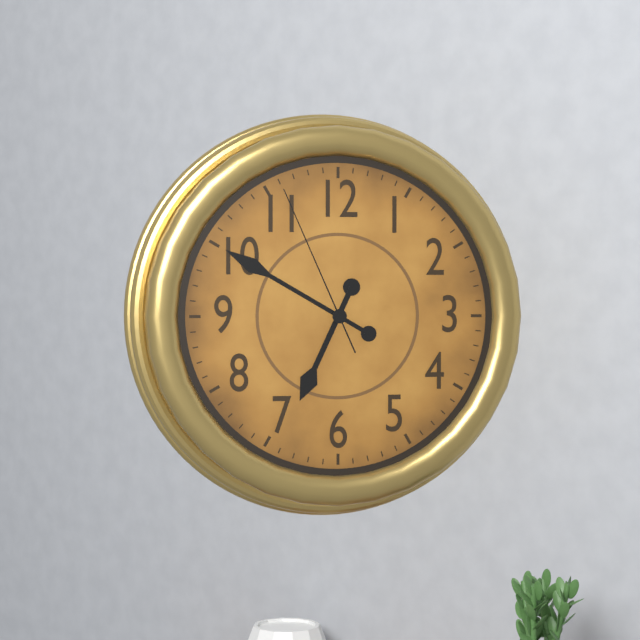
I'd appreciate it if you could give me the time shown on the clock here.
6:50:56
